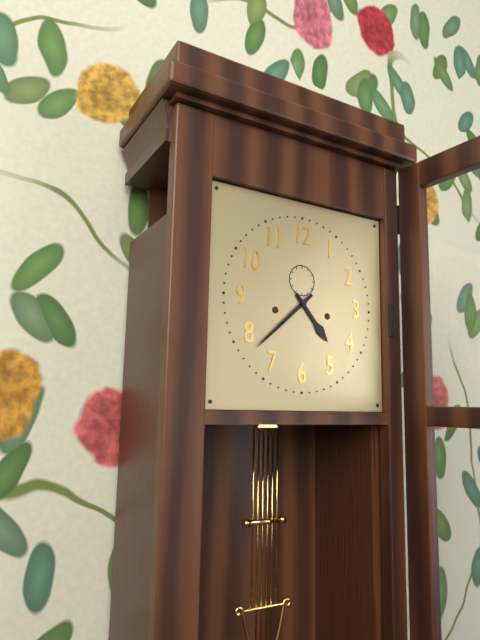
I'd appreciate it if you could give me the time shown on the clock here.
4:38
